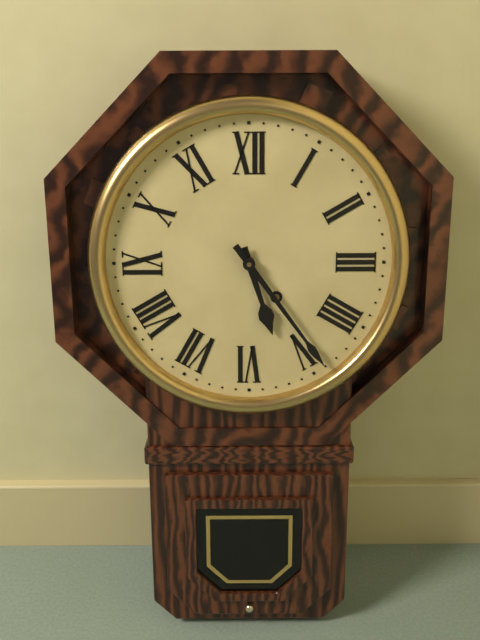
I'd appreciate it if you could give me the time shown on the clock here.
5:24
